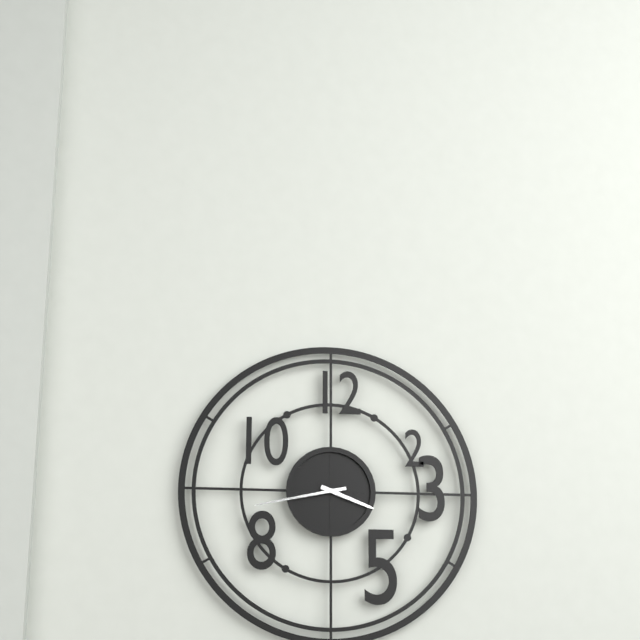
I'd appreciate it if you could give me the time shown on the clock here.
3:43
